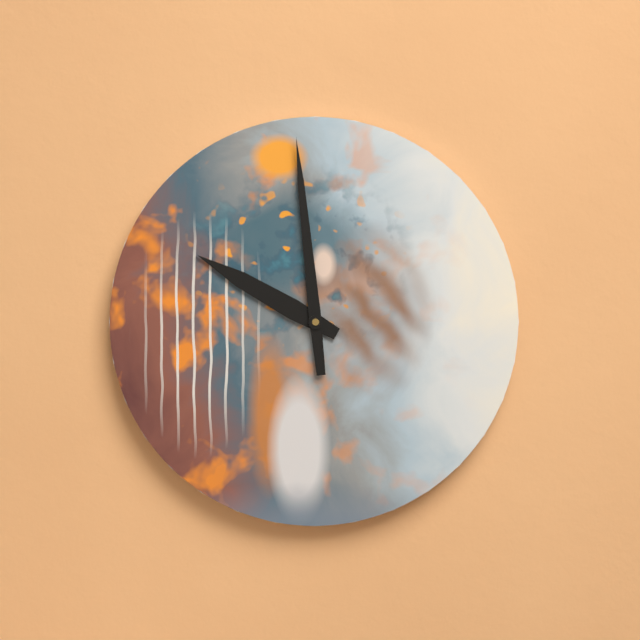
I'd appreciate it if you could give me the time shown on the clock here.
9:59
